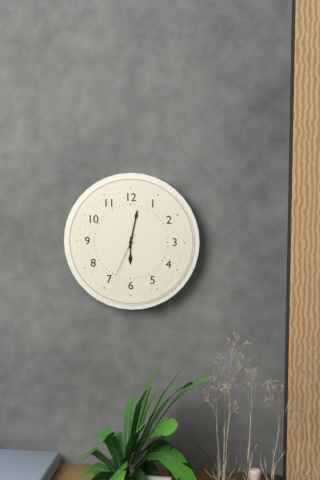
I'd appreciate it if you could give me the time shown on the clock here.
6:02
